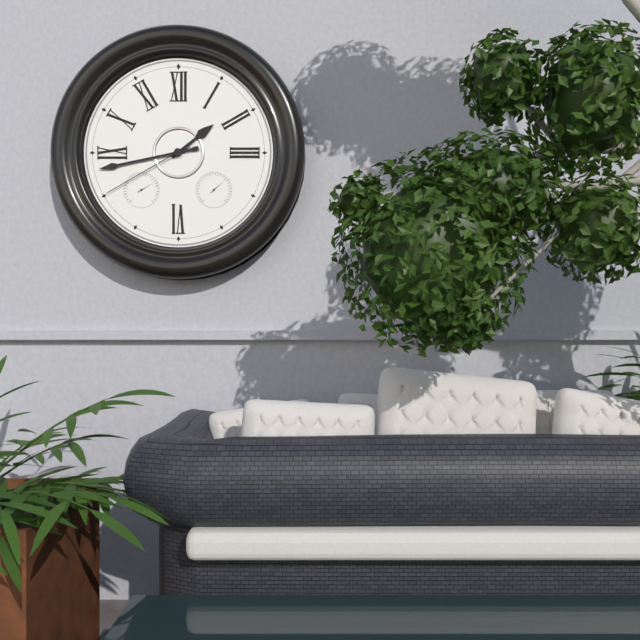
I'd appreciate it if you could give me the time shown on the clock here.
1:43:40
